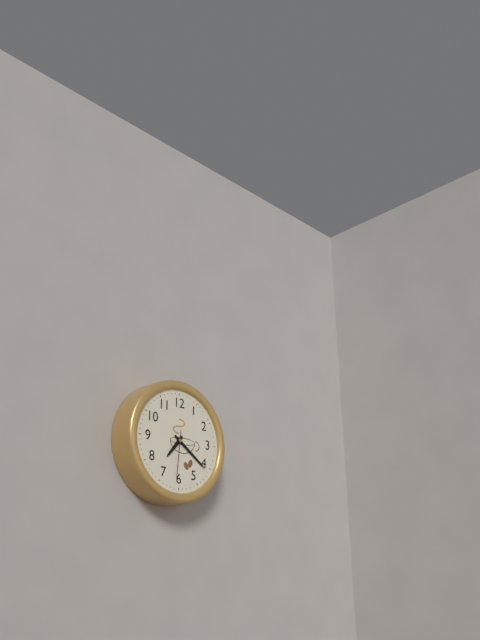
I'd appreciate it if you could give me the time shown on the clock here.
7:21:31
